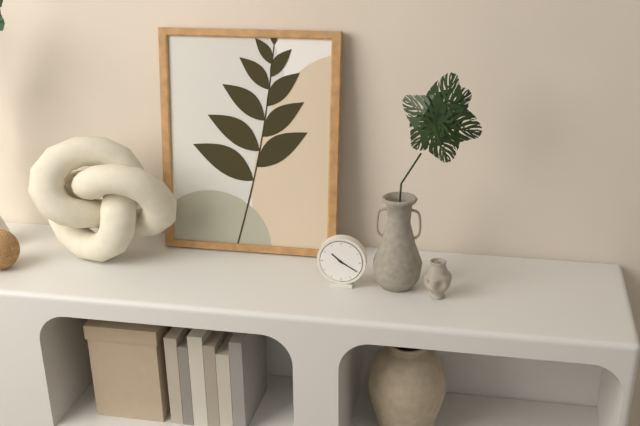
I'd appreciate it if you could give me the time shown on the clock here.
10:20
